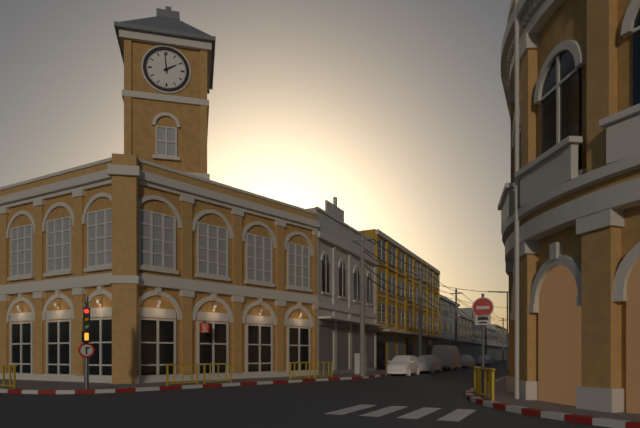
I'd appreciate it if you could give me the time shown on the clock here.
1:59
